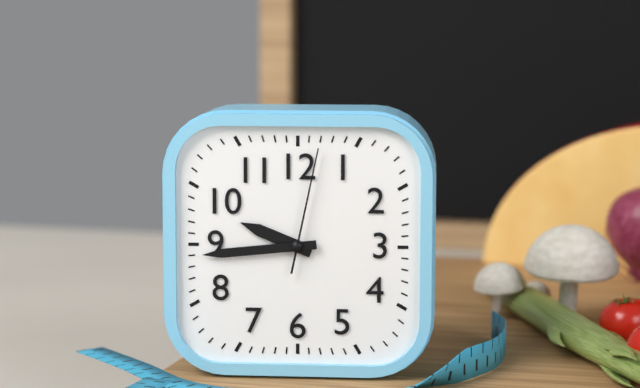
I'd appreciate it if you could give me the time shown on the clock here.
9:44:02
